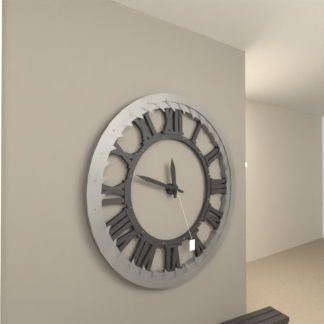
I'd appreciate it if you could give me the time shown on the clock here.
11:48
